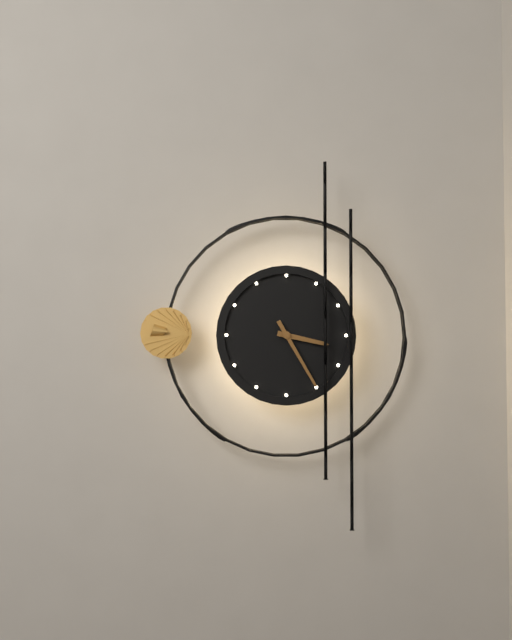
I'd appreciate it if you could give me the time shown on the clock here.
3:25
